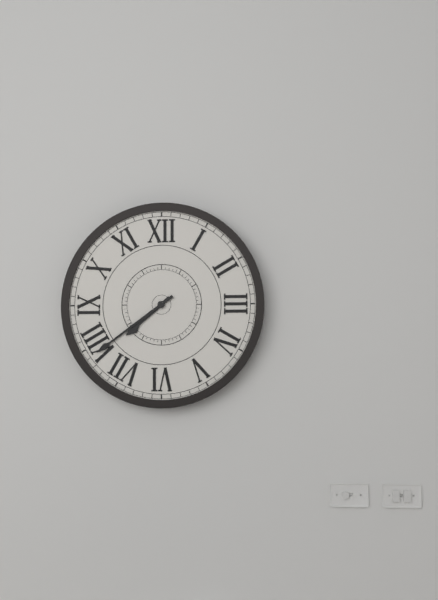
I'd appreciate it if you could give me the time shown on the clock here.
7:39
